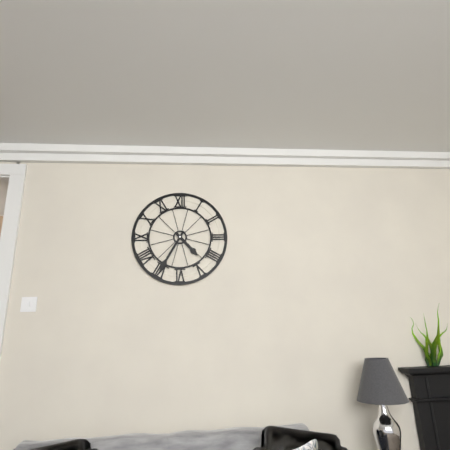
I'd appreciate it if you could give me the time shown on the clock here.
4:35
